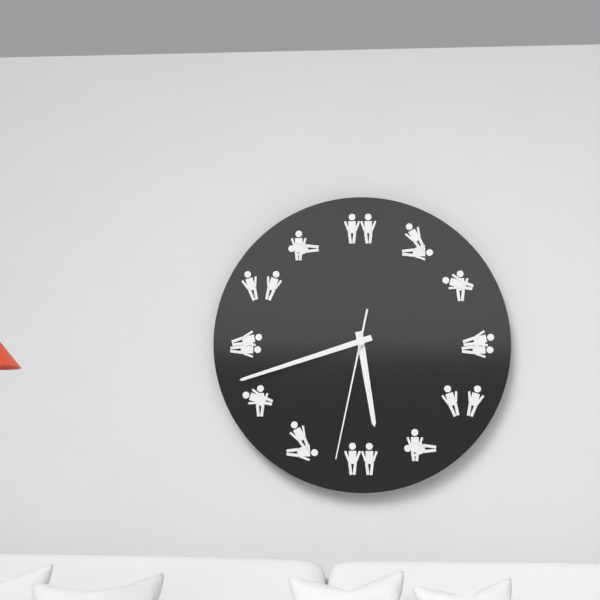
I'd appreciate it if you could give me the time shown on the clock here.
5:42:32
